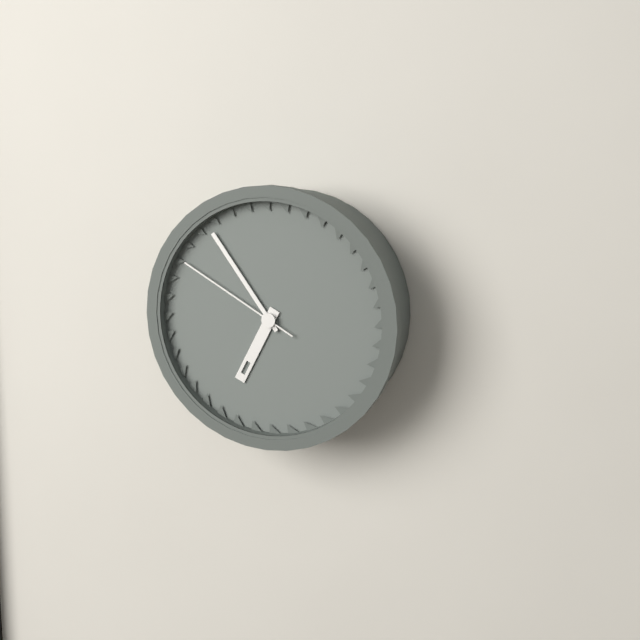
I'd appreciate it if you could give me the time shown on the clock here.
6:54:50
